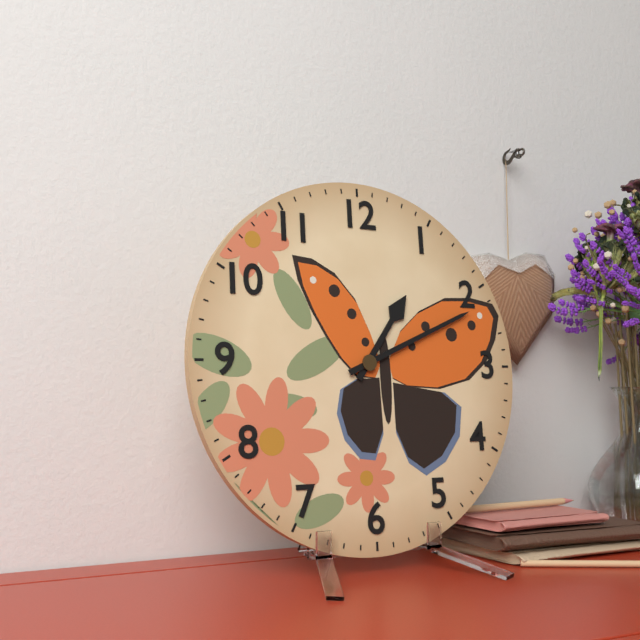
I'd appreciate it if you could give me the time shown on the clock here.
1:11
